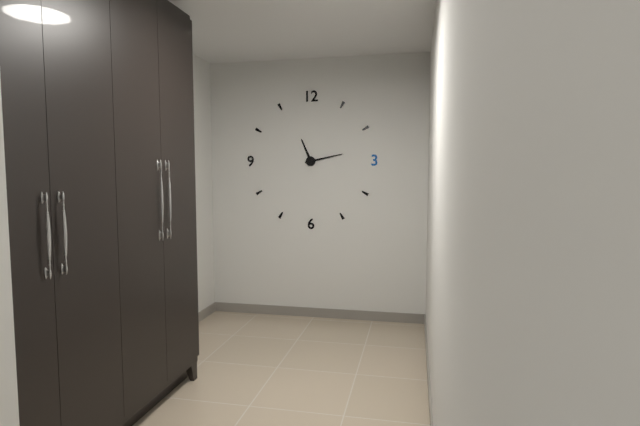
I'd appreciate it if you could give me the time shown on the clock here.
11:13
